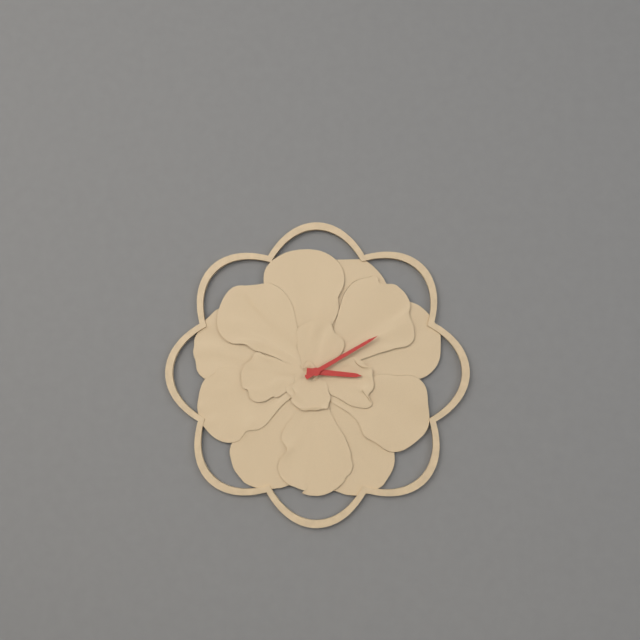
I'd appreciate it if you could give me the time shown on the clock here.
3:10
